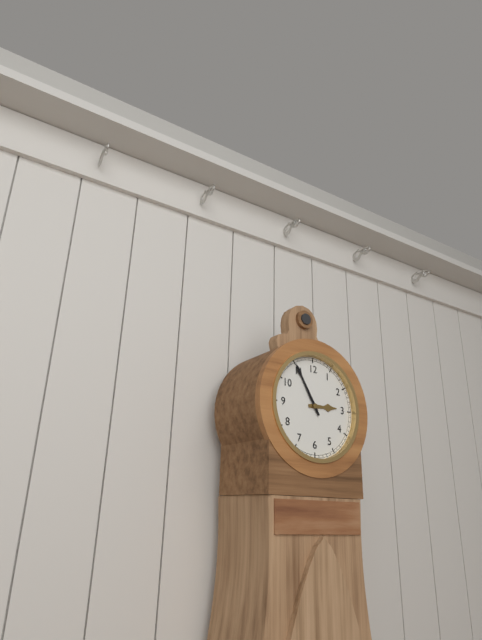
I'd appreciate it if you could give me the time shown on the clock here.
2:55
